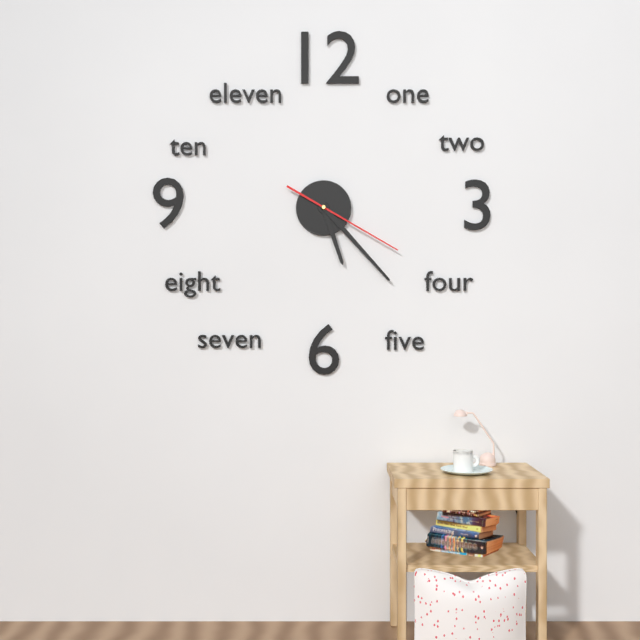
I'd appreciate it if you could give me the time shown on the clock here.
5:23:20
